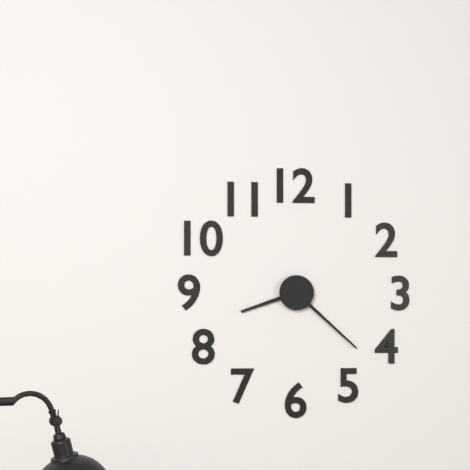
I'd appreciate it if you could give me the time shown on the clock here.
8:22
